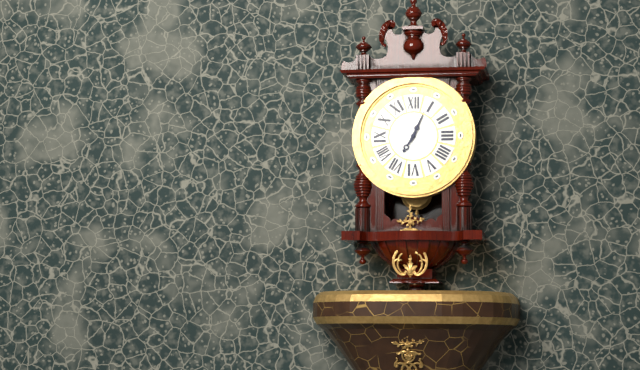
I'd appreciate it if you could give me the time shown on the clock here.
7:04
